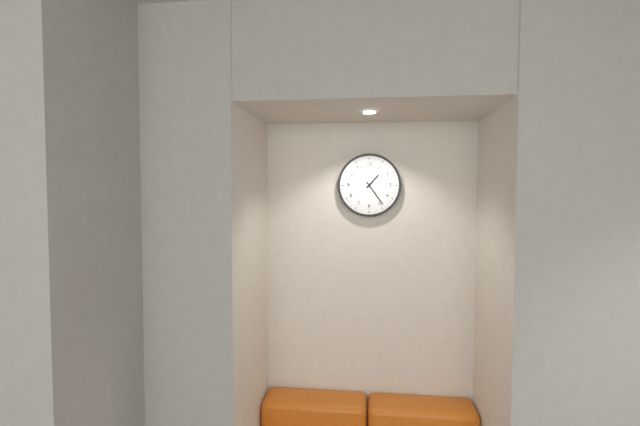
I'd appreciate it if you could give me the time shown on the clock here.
1:24
